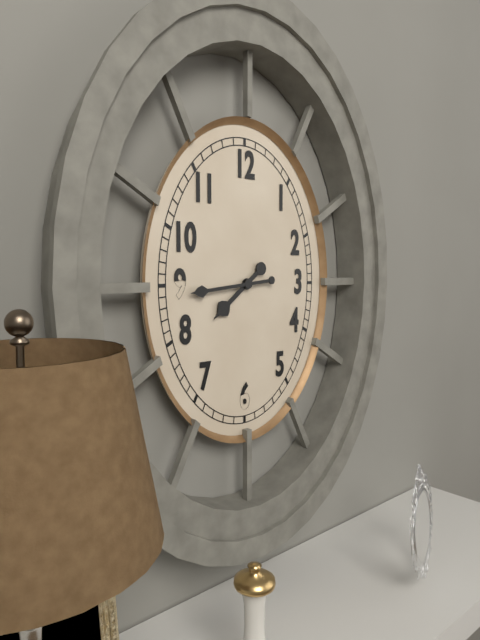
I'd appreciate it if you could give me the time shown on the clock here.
7:44
